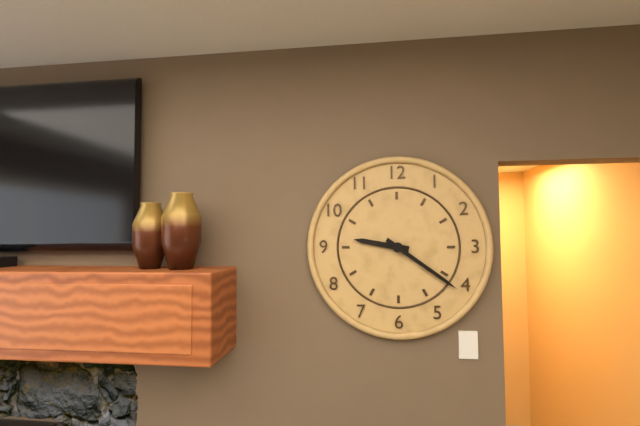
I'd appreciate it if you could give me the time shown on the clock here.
9:21
